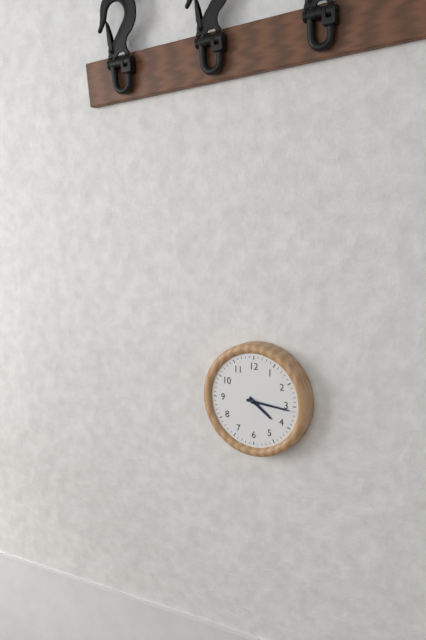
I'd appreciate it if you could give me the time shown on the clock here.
4:16
